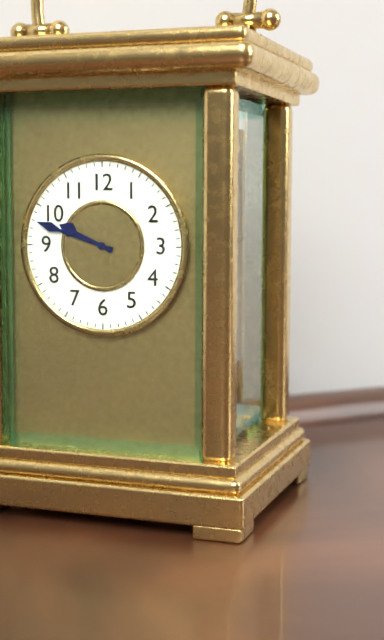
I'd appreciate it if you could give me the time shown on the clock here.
9:48
